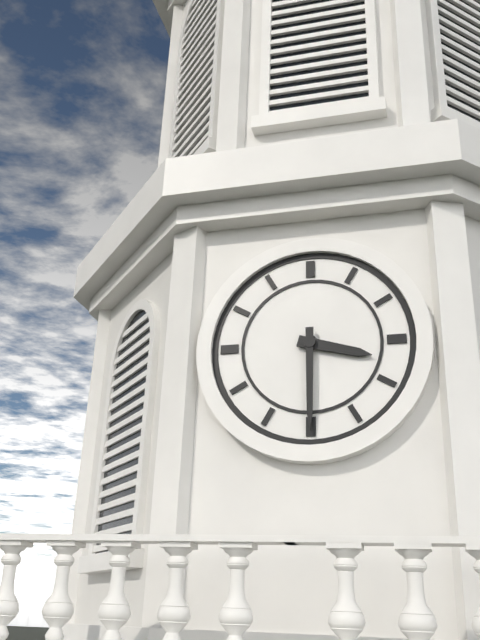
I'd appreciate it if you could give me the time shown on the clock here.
3:30
